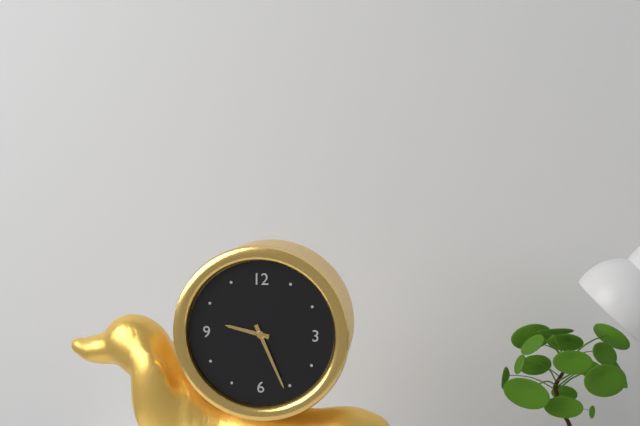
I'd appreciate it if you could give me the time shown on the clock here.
9:26
